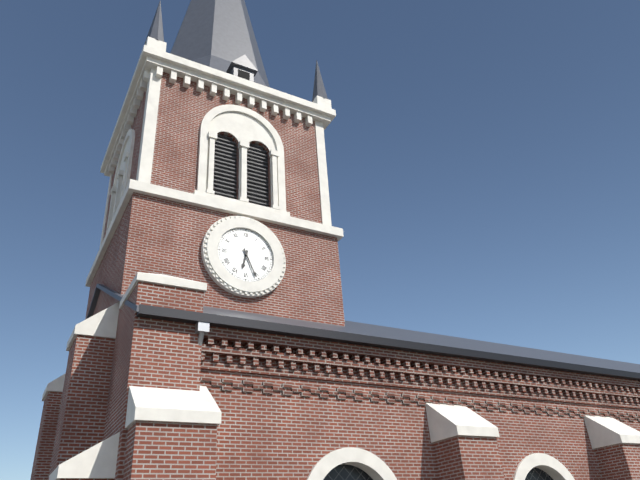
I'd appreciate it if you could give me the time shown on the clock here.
6:26
